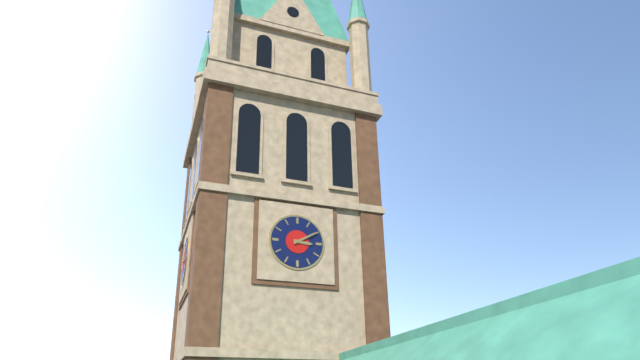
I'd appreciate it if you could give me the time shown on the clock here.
3:10
